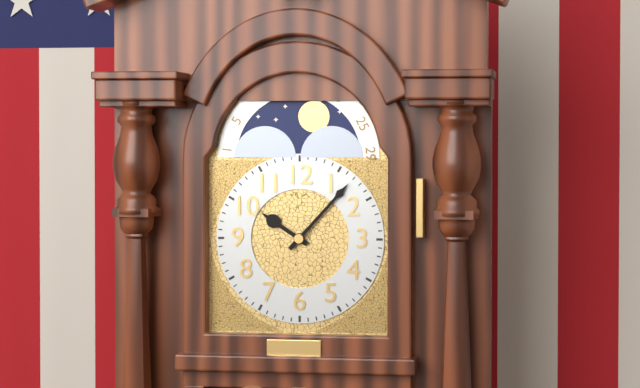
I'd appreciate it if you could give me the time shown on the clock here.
10:07
